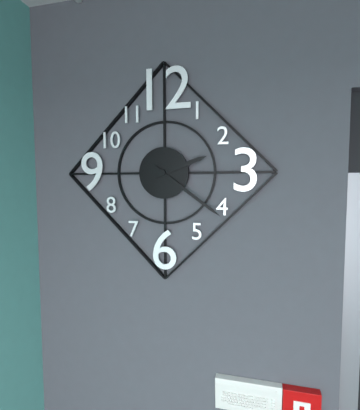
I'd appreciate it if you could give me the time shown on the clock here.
2:21
